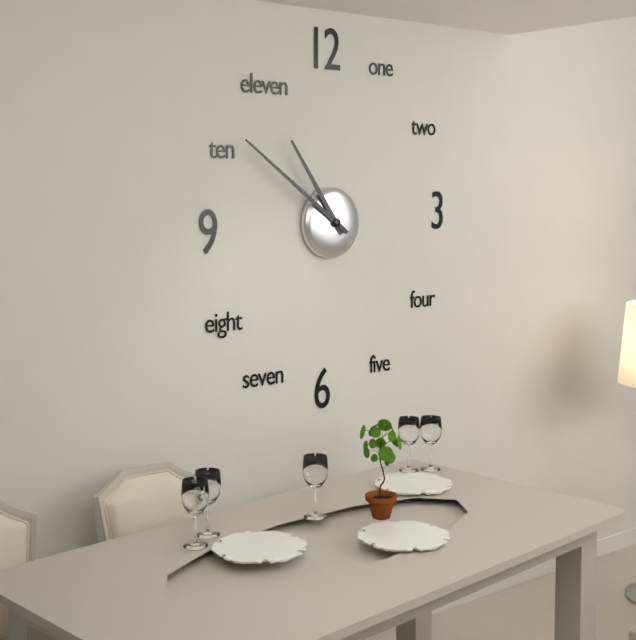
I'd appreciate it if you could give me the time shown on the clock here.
10:51
